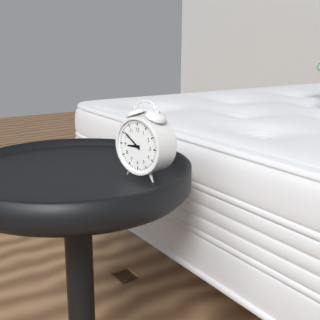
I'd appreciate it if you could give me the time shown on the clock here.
8:51
